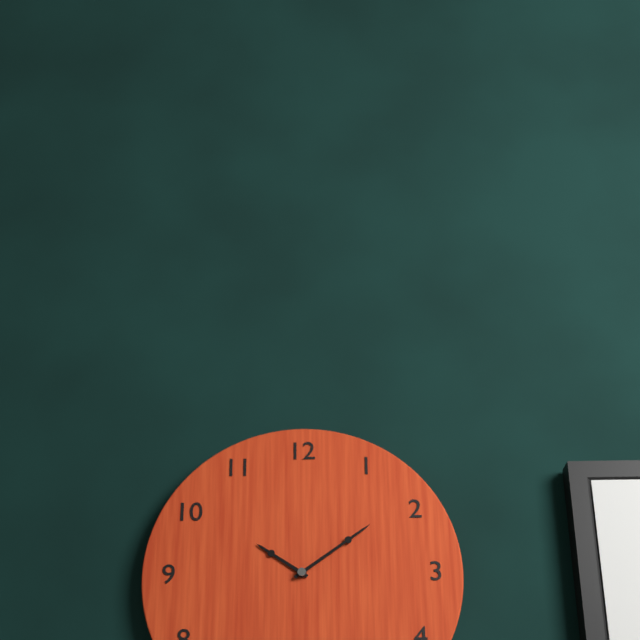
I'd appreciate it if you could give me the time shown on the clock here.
10:09
